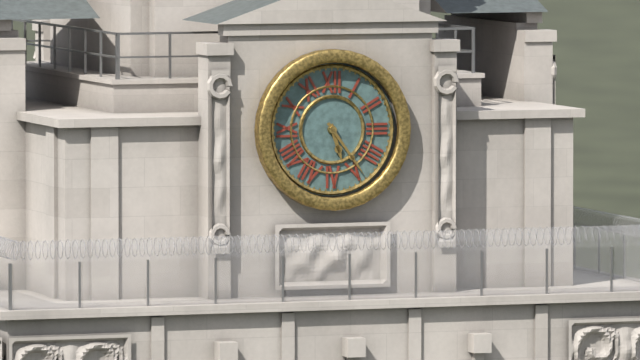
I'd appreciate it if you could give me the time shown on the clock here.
5:24
